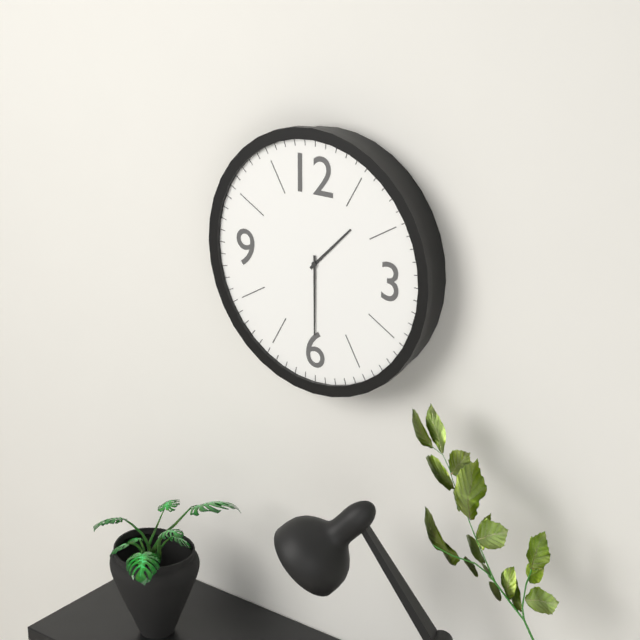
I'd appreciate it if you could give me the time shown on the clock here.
1:30
